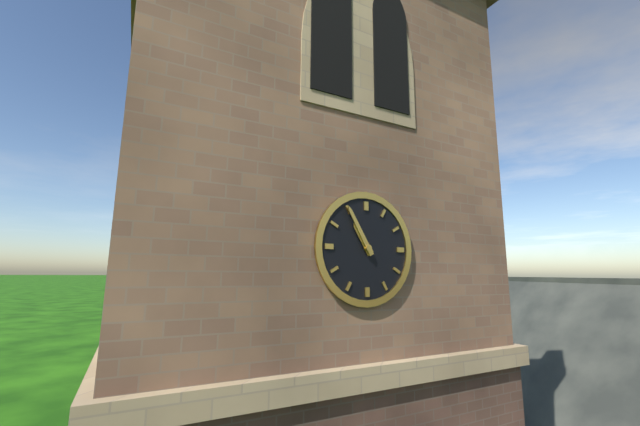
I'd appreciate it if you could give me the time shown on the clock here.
10:55
